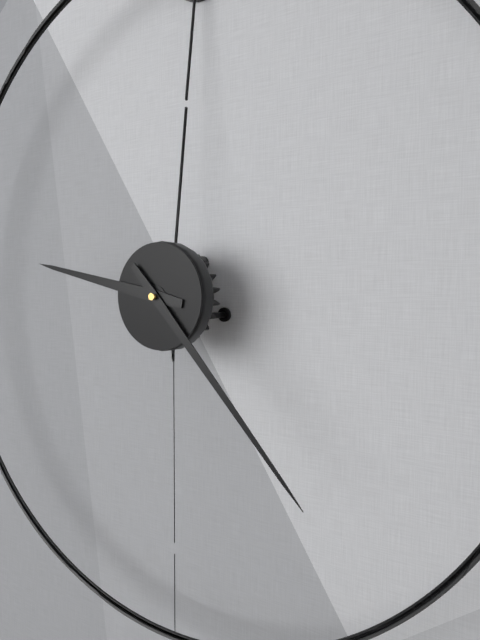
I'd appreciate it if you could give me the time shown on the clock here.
9:23
